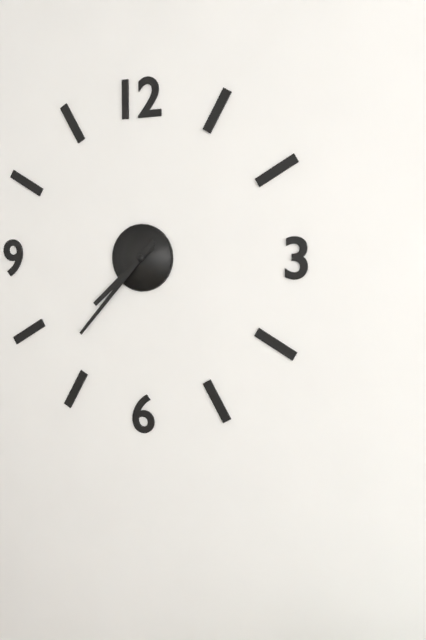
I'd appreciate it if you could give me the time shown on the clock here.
7:37
